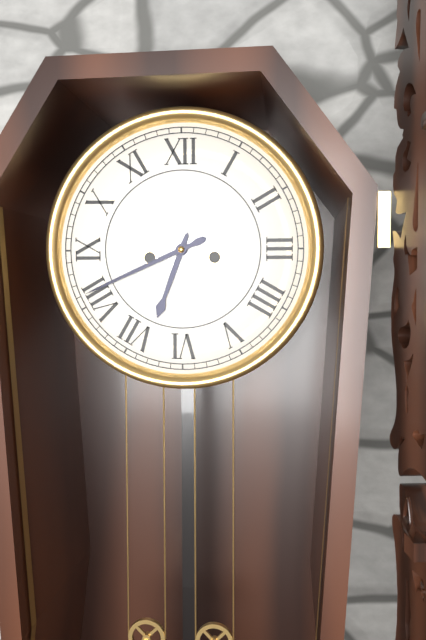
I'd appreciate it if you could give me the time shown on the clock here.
6:41
